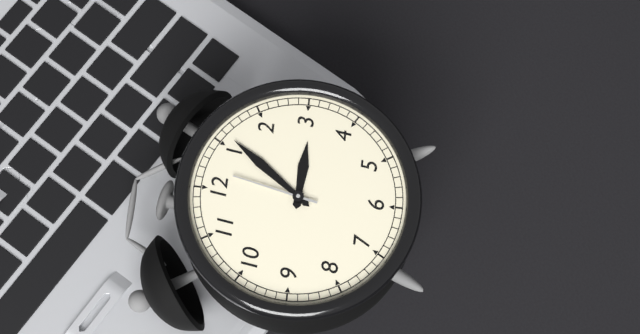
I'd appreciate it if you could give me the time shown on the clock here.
3:06:02
